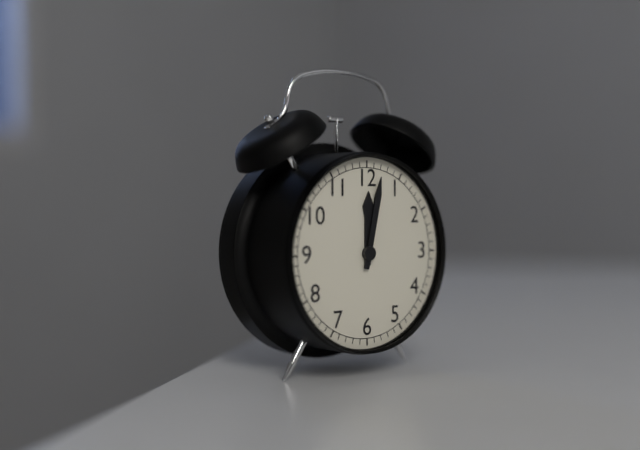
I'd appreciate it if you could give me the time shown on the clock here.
12:02
